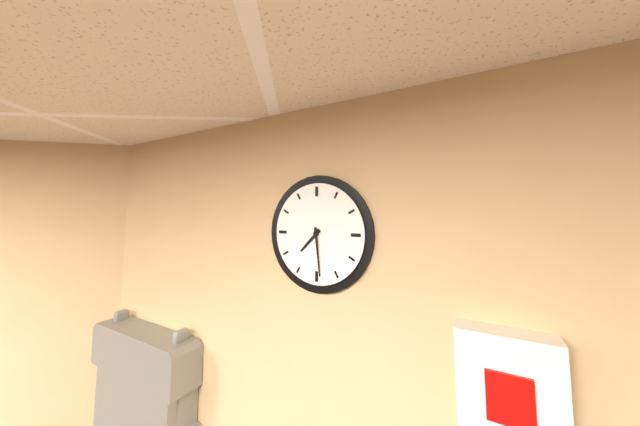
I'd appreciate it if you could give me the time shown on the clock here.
7:29
